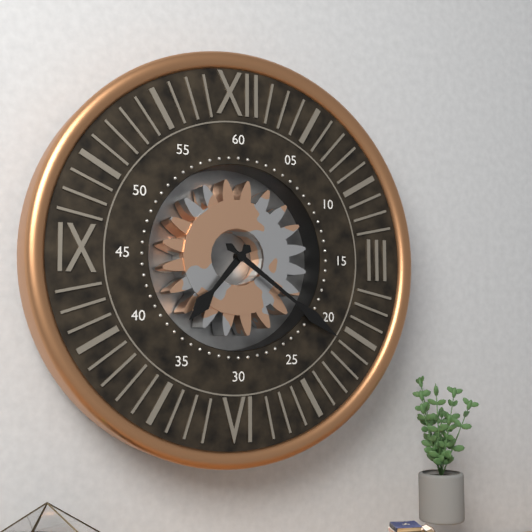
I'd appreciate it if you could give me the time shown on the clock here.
7:21
